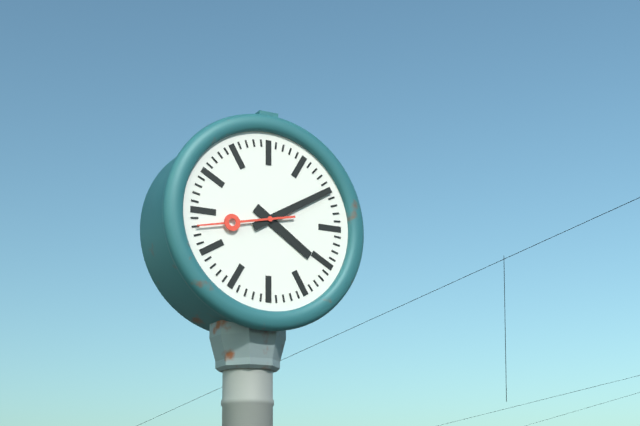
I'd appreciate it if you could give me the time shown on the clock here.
4:10:43
